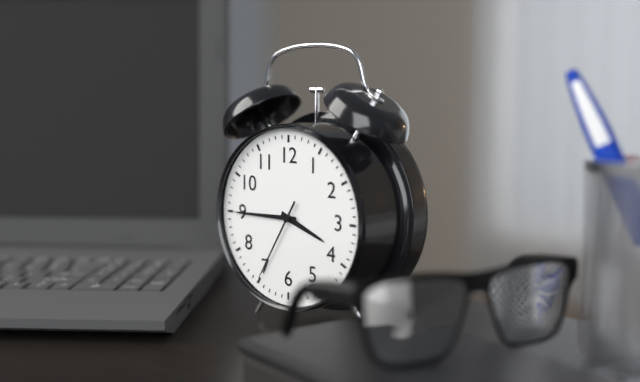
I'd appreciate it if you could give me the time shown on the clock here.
3:45:35
